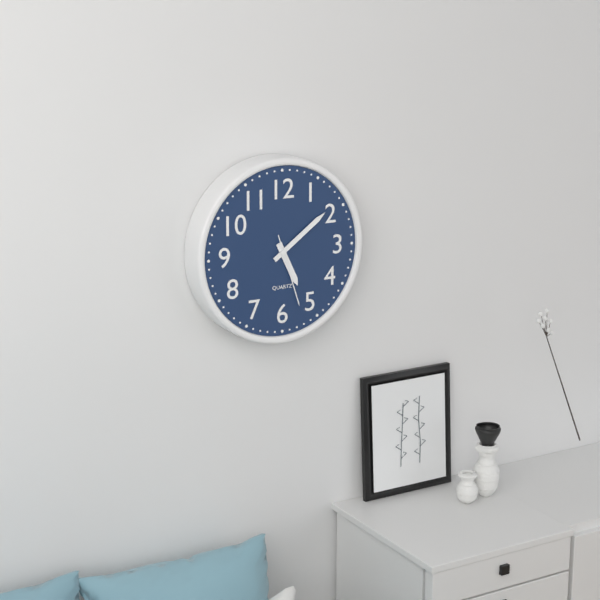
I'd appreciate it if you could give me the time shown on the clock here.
5:09:27
